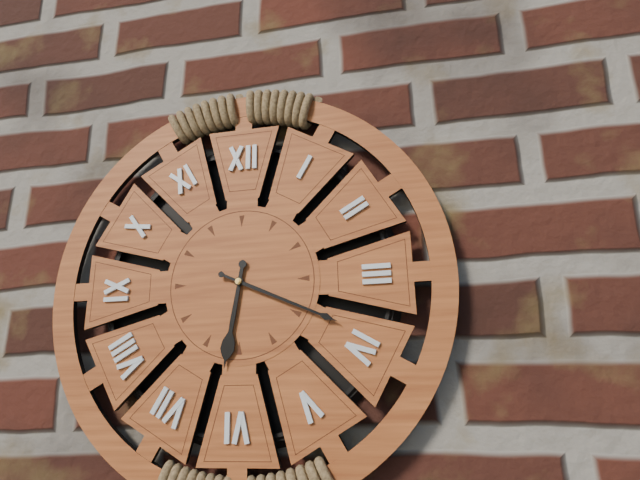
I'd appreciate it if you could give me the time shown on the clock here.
6:19
